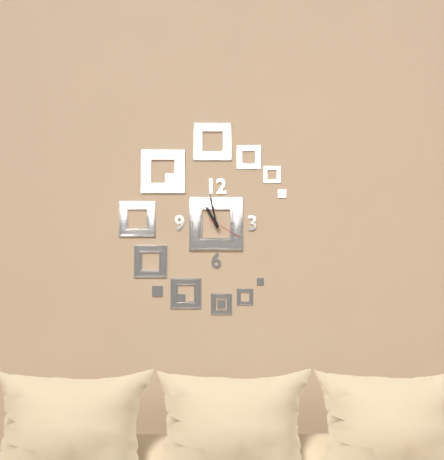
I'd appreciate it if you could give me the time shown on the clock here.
10:58
